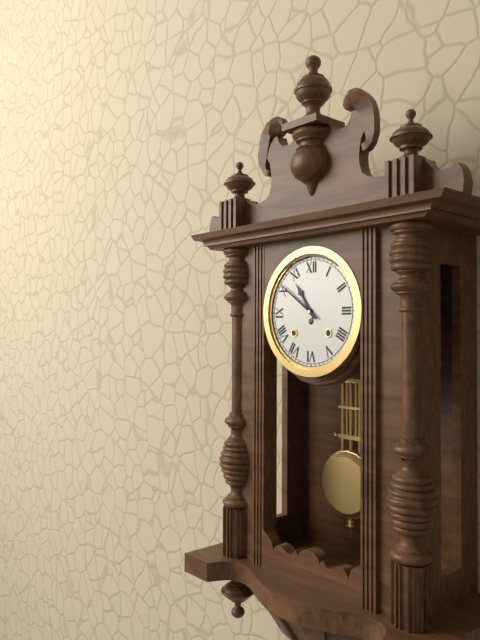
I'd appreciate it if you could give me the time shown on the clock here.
10:51
